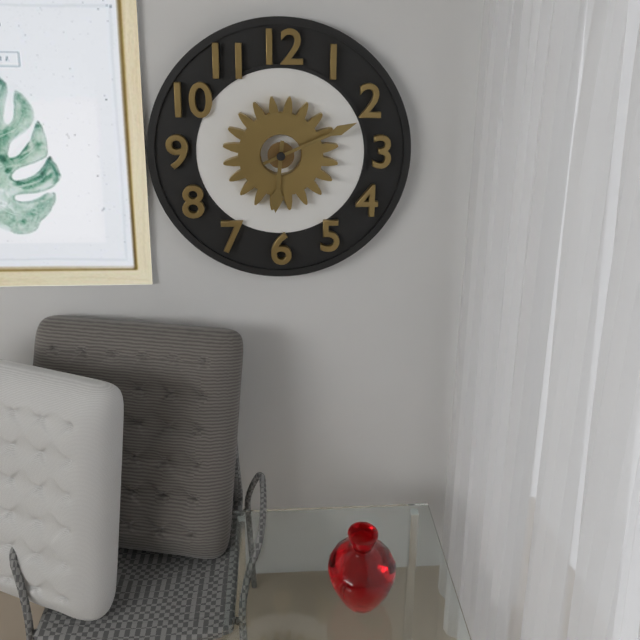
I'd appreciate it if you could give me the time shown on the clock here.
6:11
